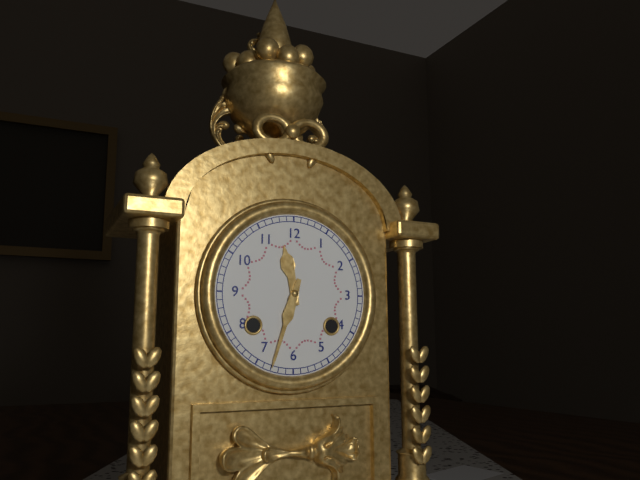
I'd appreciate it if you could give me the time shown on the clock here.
11:33
